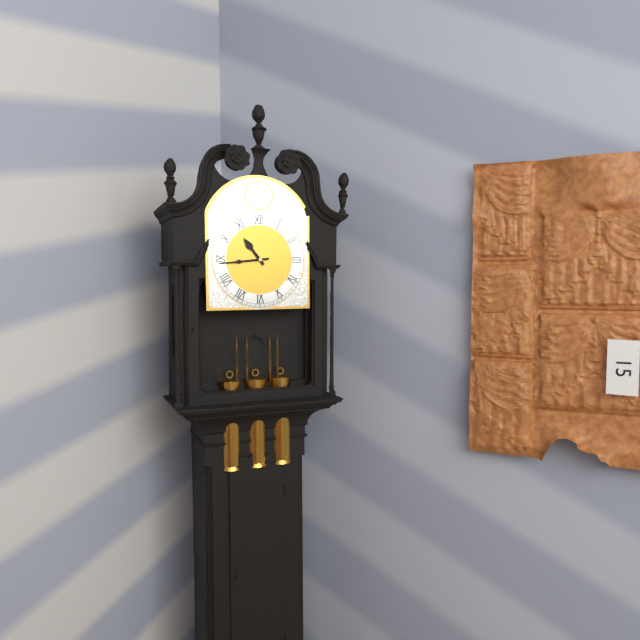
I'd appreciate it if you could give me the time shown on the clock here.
10:44
